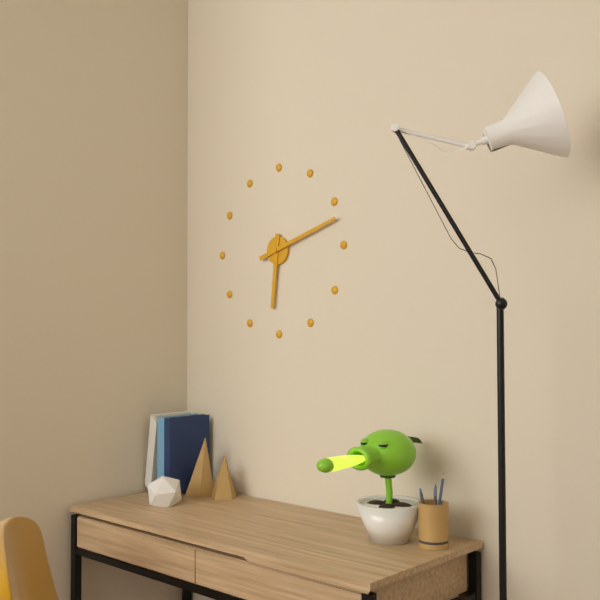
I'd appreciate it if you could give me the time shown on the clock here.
6:12
